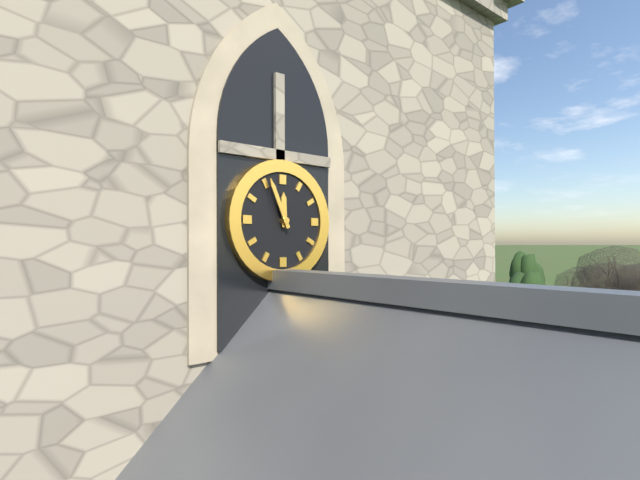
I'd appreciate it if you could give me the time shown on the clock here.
11:56
